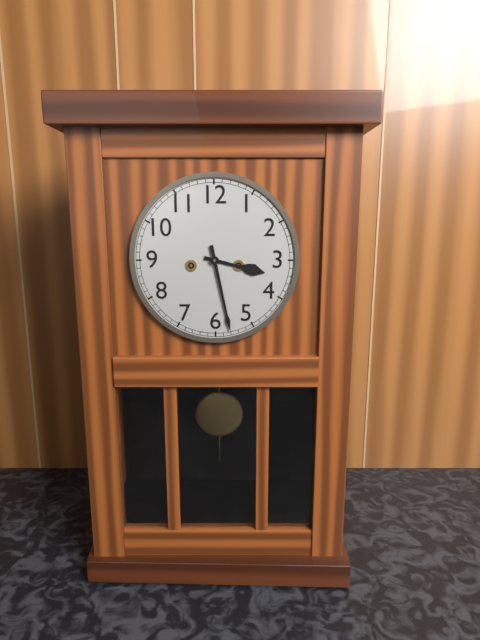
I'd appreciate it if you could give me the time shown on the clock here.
3:28
